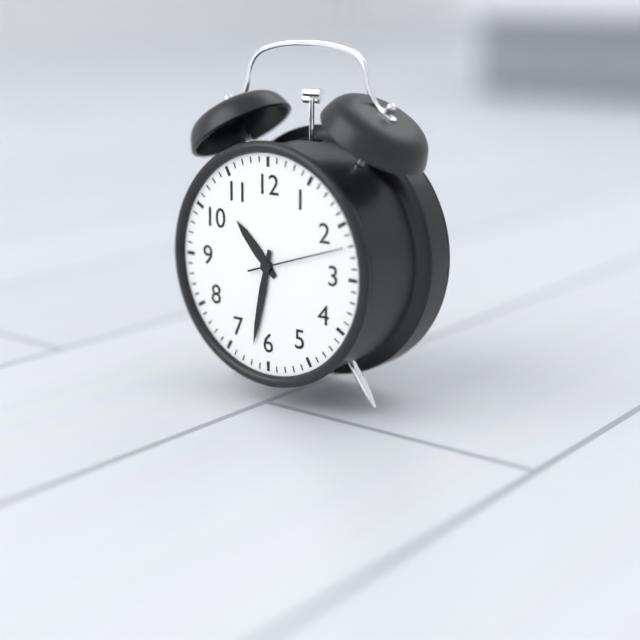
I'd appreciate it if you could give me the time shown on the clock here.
10:32:12
